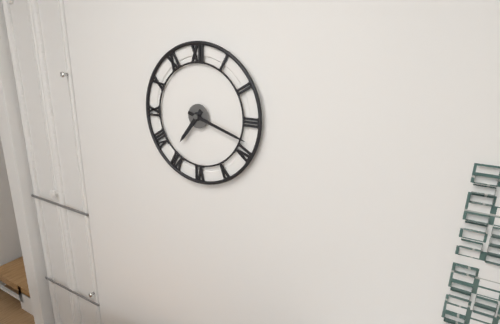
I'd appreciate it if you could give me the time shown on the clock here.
7:18
